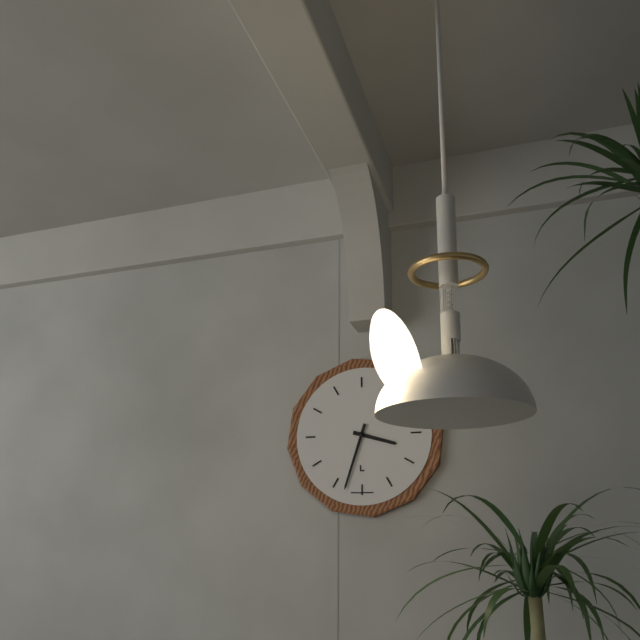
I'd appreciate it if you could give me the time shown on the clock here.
3:33
